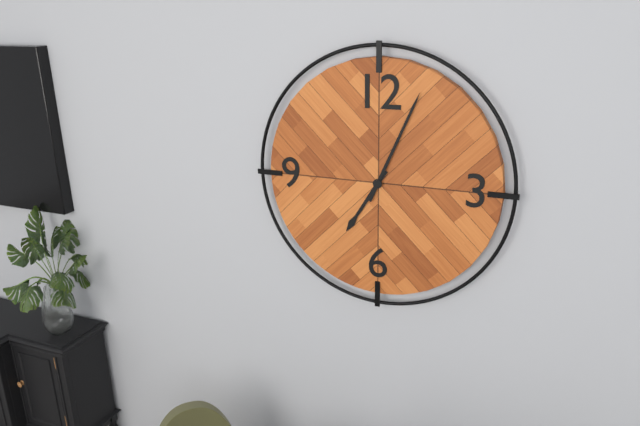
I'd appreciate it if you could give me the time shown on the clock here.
7:04
